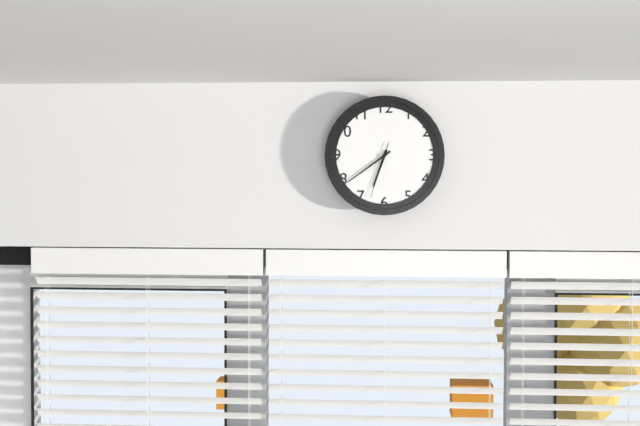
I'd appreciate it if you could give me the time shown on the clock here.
6:39:33
